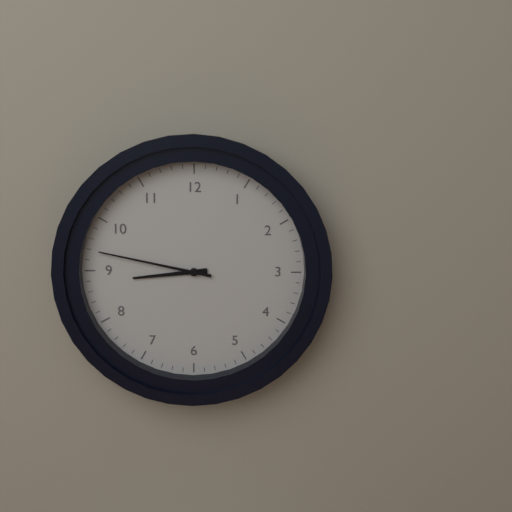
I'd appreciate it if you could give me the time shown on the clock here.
8:47
